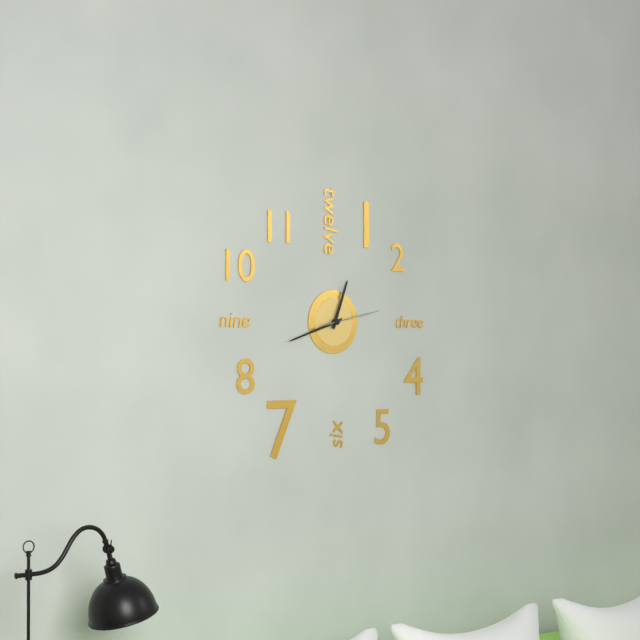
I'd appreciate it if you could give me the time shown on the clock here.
12:42:13
